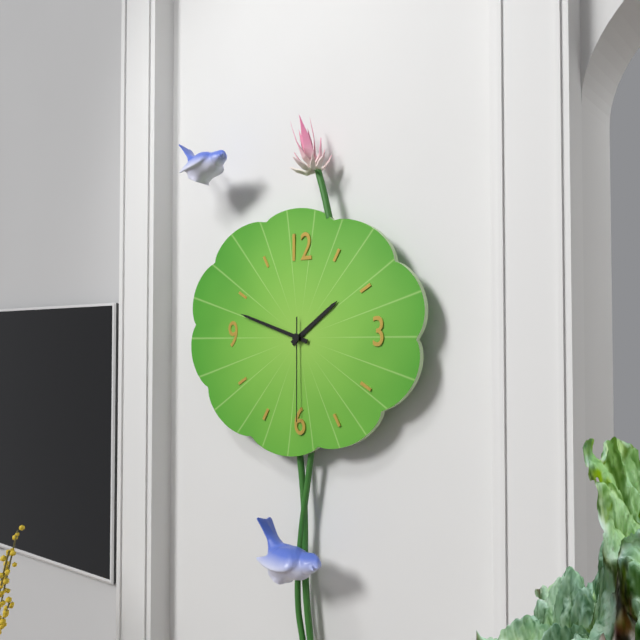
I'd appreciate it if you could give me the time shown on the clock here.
1:48:30
